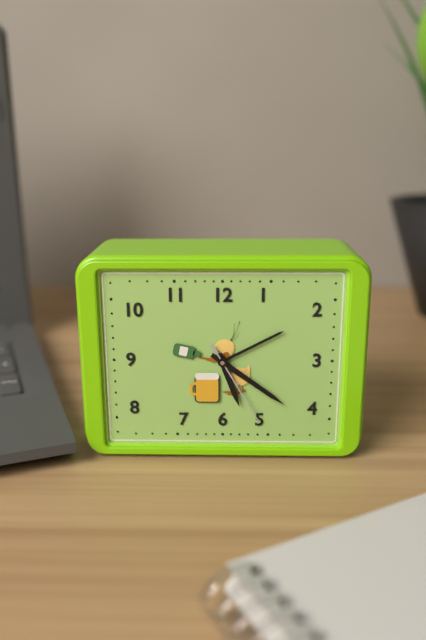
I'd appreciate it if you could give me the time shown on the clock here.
5:21:25
